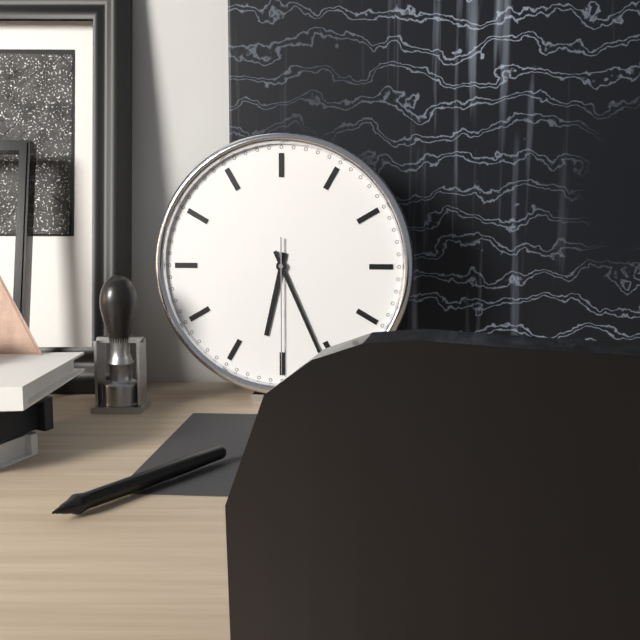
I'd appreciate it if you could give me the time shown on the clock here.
6:26:30
